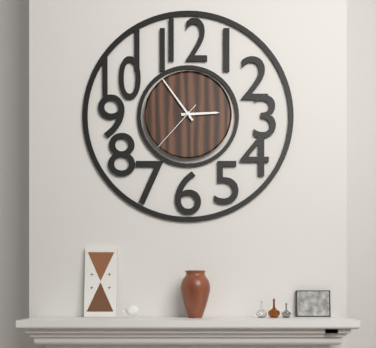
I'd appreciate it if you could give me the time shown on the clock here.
2:54:37
